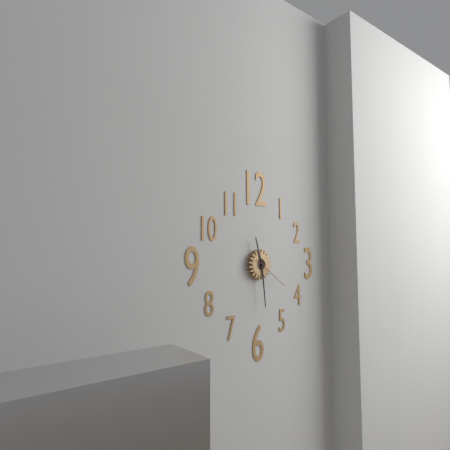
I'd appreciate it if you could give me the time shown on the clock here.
11:29
